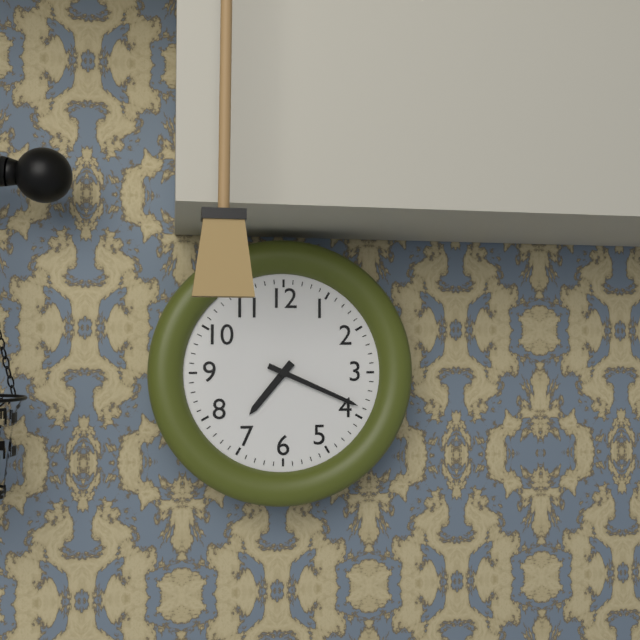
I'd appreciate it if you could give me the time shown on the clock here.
7:19
